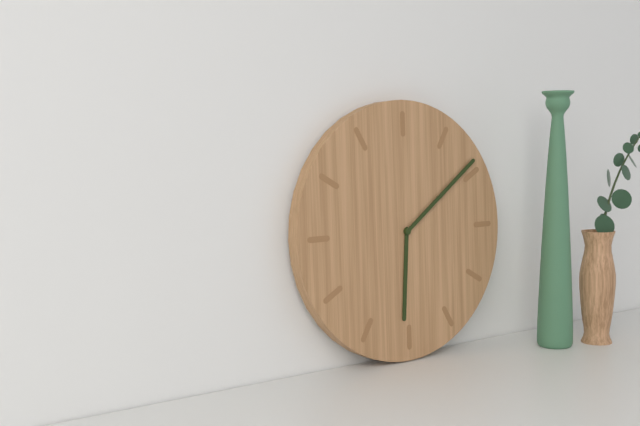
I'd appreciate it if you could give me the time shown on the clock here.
6:09
